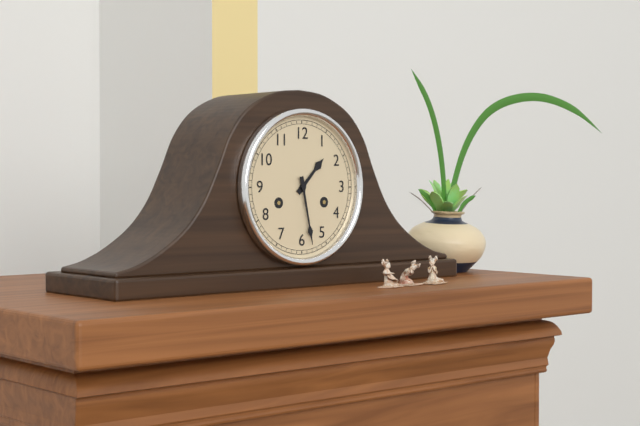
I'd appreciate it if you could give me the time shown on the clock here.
1:28
